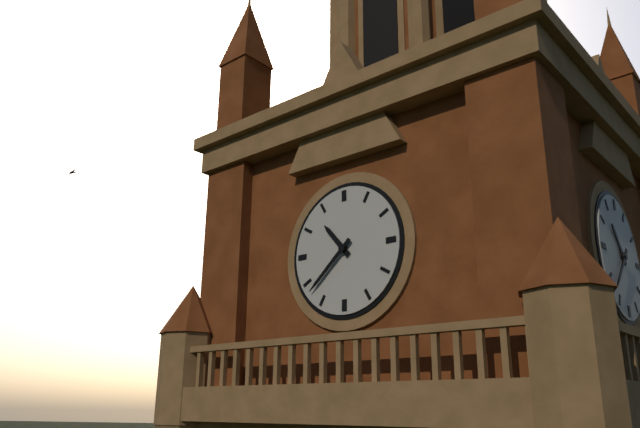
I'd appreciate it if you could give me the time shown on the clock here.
10:38
